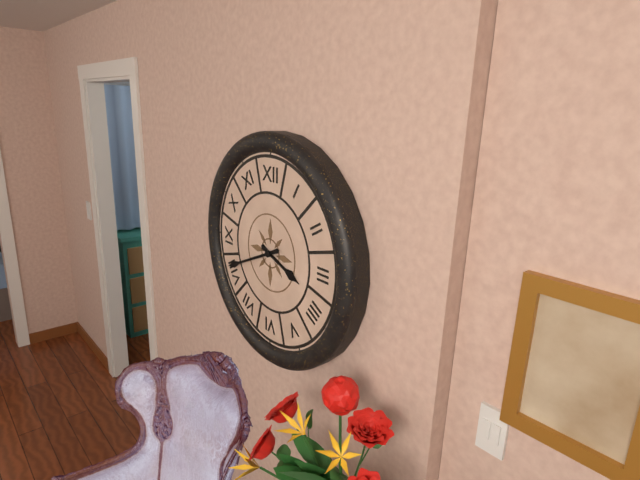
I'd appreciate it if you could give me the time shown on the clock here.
3:41
